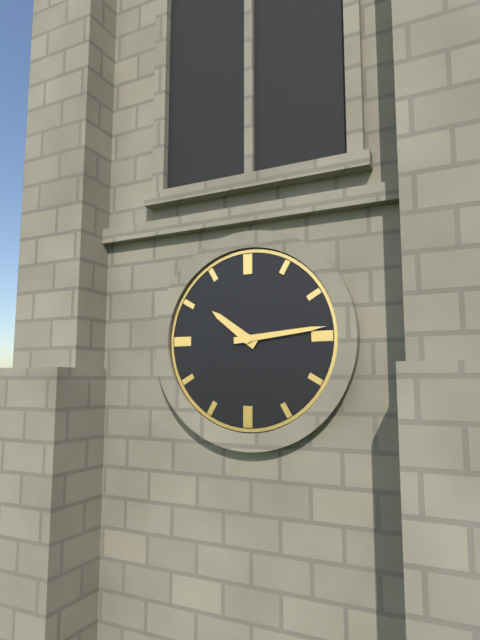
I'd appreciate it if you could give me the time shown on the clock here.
10:14
